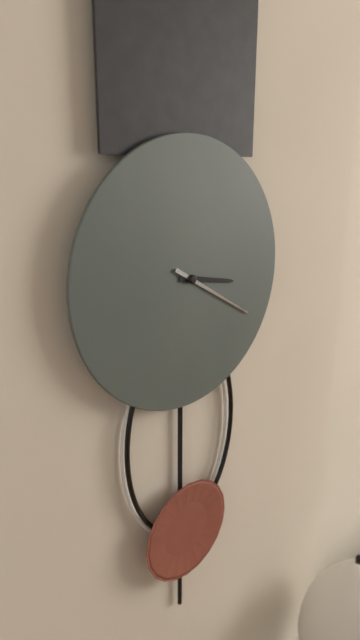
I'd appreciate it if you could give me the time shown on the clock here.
3:20
